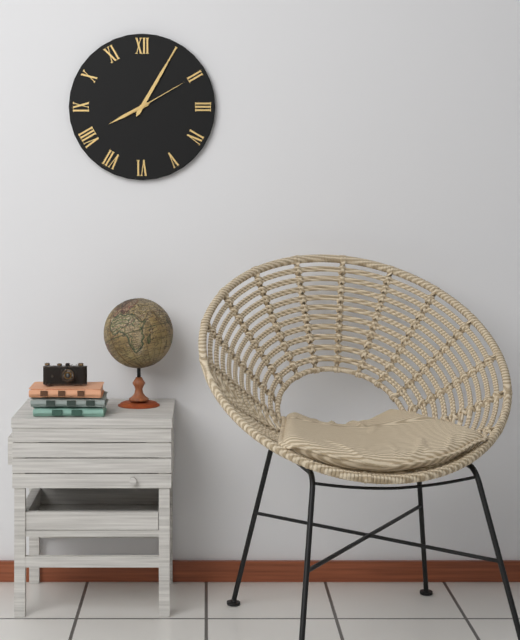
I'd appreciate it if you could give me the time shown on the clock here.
8:05:10
